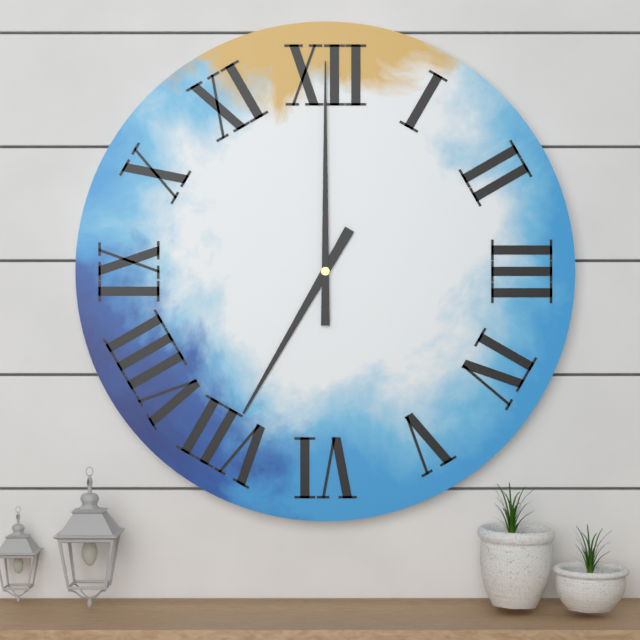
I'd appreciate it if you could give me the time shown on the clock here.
7:00
